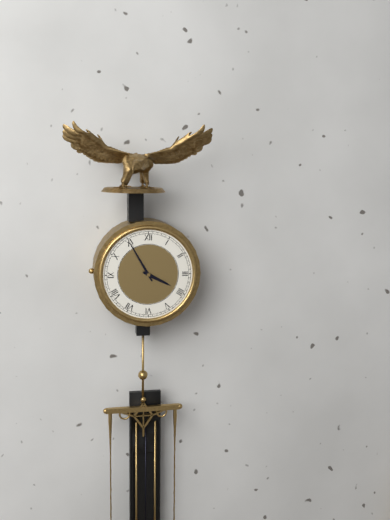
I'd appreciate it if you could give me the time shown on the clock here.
3:55
